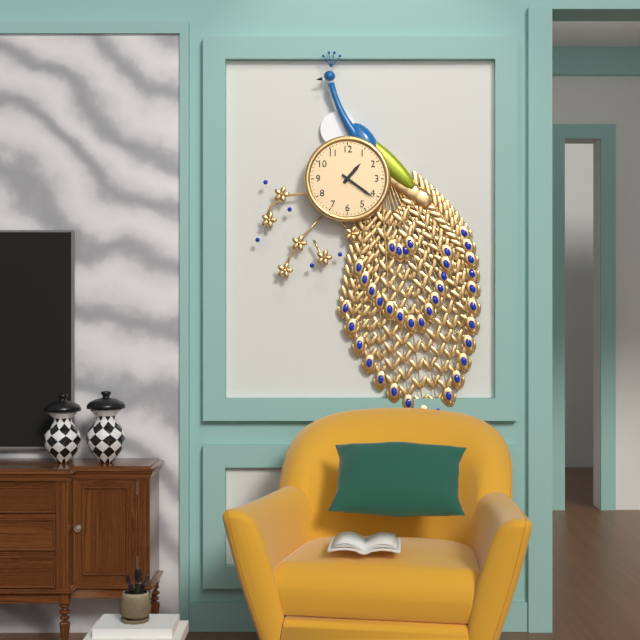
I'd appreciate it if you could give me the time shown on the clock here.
1:21
